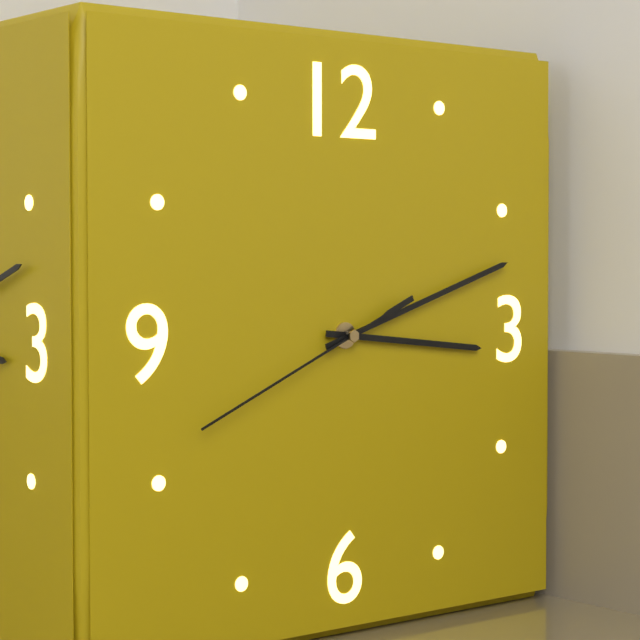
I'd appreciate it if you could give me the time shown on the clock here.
3:12:41
